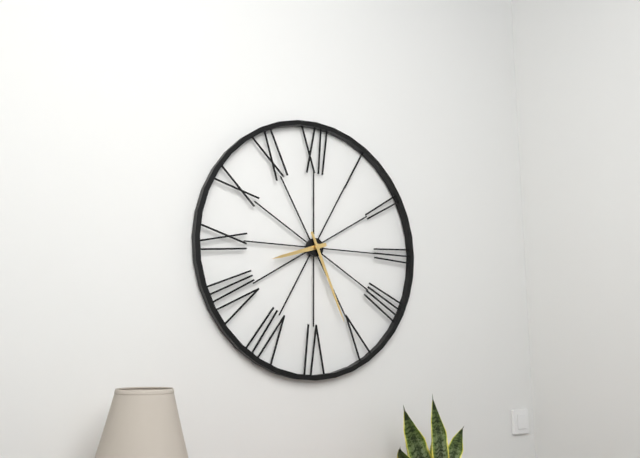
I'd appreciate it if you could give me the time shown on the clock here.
8:26
